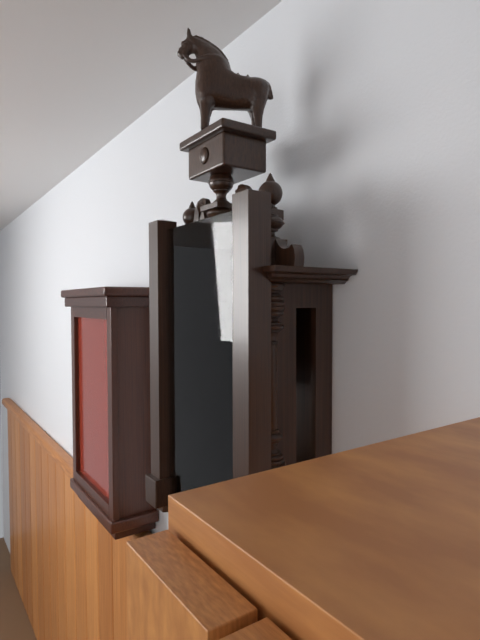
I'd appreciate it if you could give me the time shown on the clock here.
7:40
